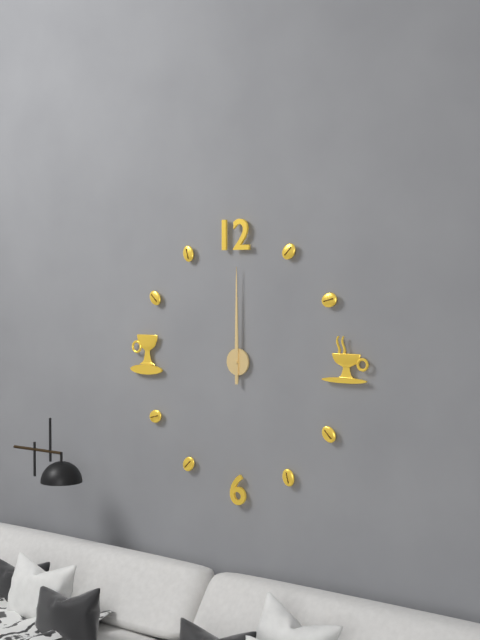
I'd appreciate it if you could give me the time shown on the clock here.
12:00
